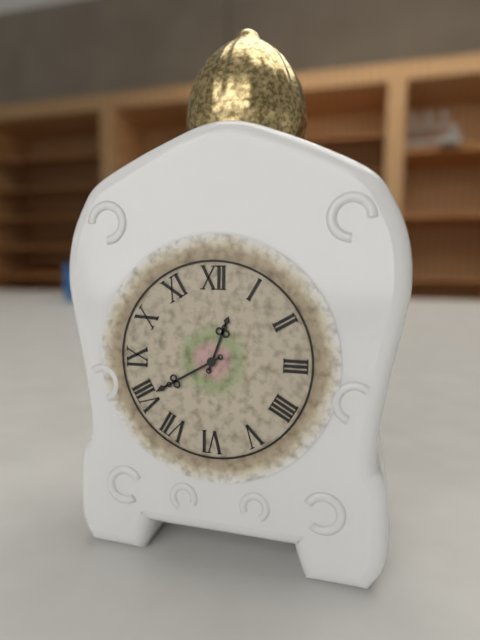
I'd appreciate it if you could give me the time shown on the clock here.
12:40
